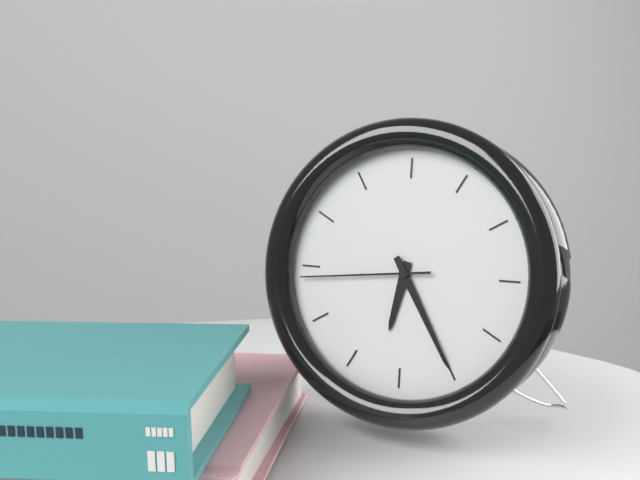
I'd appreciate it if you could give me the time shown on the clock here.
6:25:44
